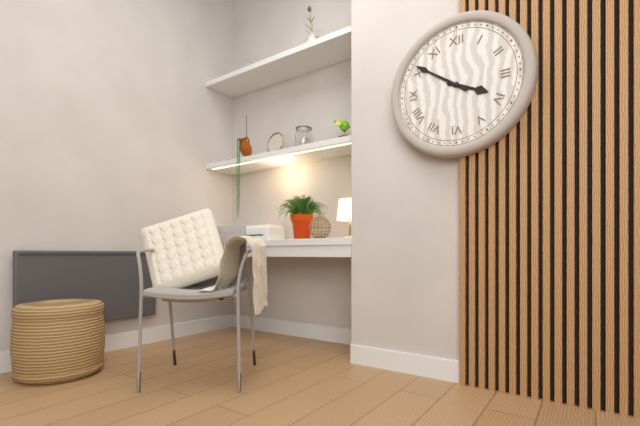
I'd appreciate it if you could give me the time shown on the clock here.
3:51
